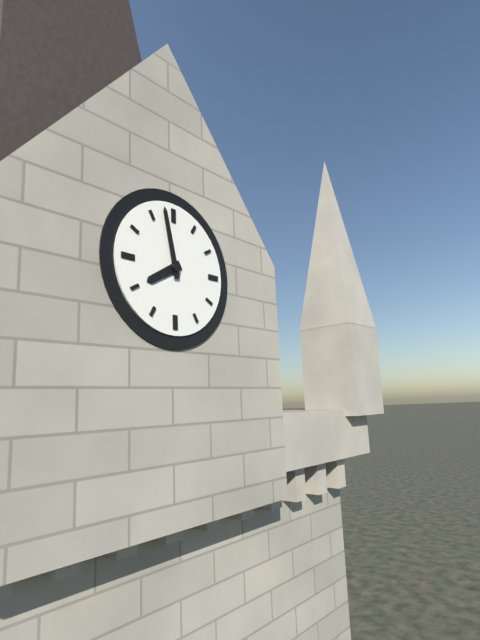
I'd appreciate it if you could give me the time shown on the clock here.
7:58
